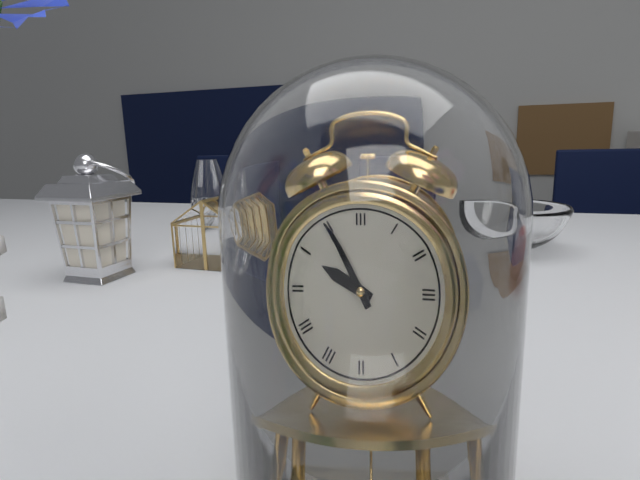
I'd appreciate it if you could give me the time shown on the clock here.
9:55
